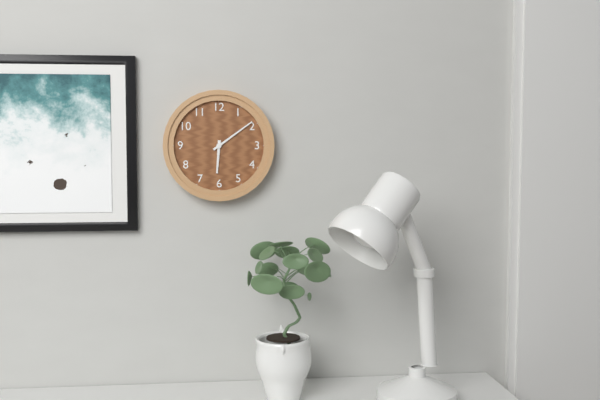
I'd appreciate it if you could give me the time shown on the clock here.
6:09
